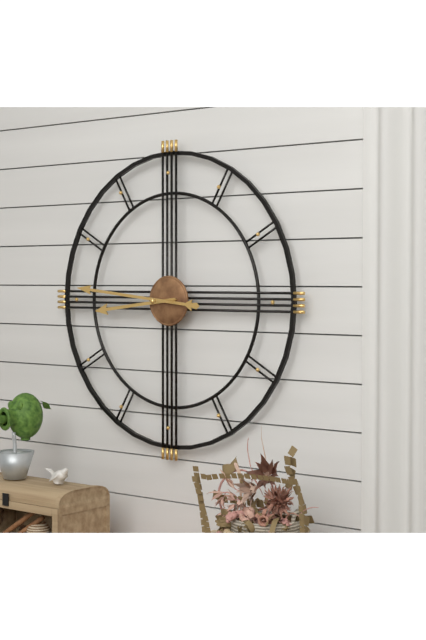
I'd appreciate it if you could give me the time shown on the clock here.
8:46
